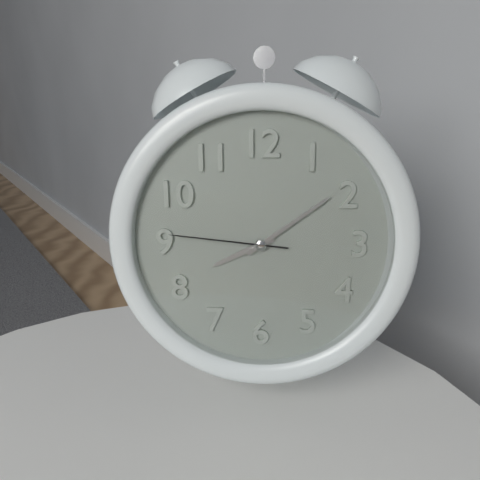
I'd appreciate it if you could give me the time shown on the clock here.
8:09:46
